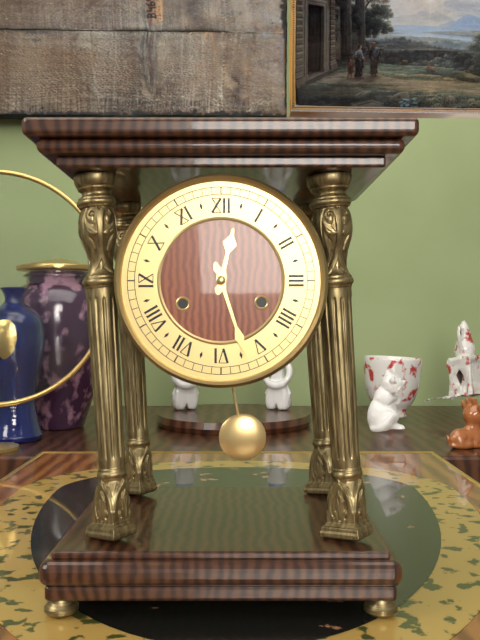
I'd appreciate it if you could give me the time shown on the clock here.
12:27
